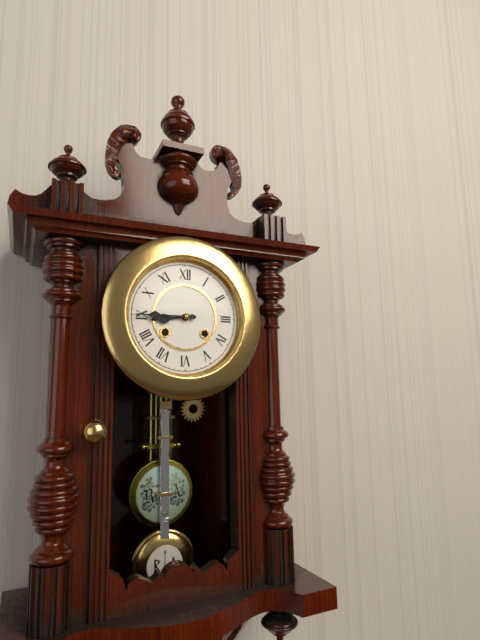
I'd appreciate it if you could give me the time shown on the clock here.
8:45
